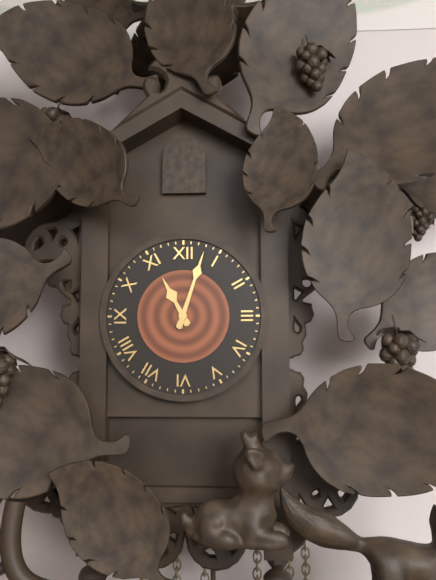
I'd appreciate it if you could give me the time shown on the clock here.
11:03
